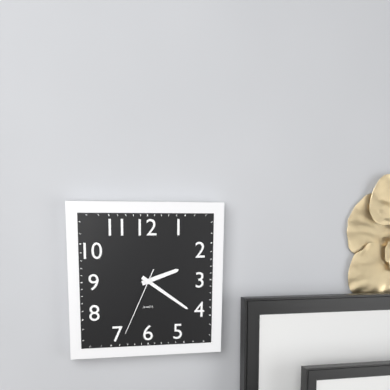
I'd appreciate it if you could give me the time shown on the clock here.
2:21:34
